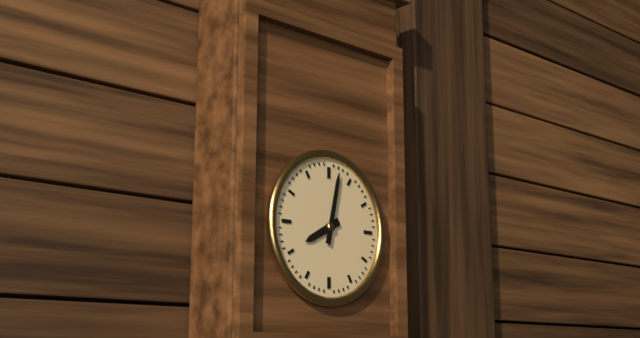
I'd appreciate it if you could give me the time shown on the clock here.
8:02
